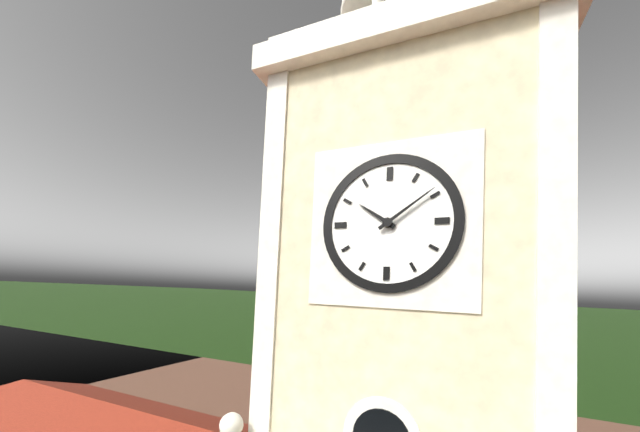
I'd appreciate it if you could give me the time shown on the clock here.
10:09
